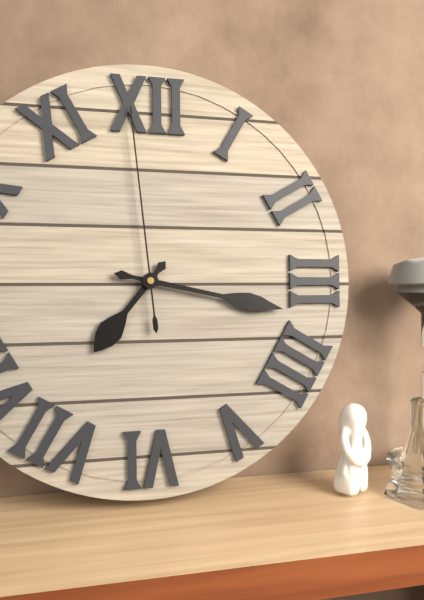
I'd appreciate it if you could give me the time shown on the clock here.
7:17:59
